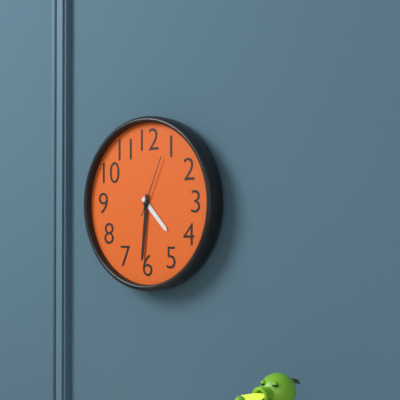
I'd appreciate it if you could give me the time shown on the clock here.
4:31:04
